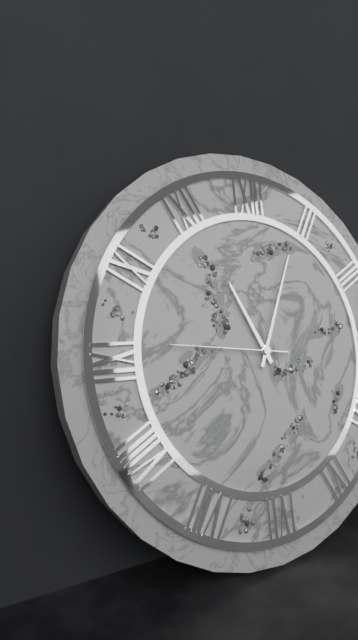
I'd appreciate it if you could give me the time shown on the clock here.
11:04:46
